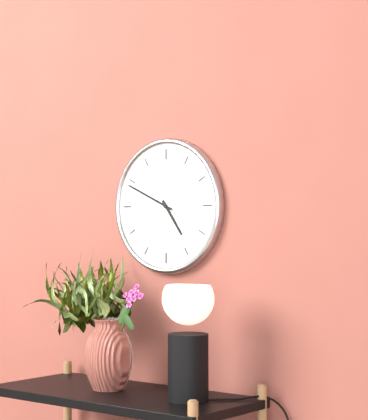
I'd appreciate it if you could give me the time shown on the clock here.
4:49
